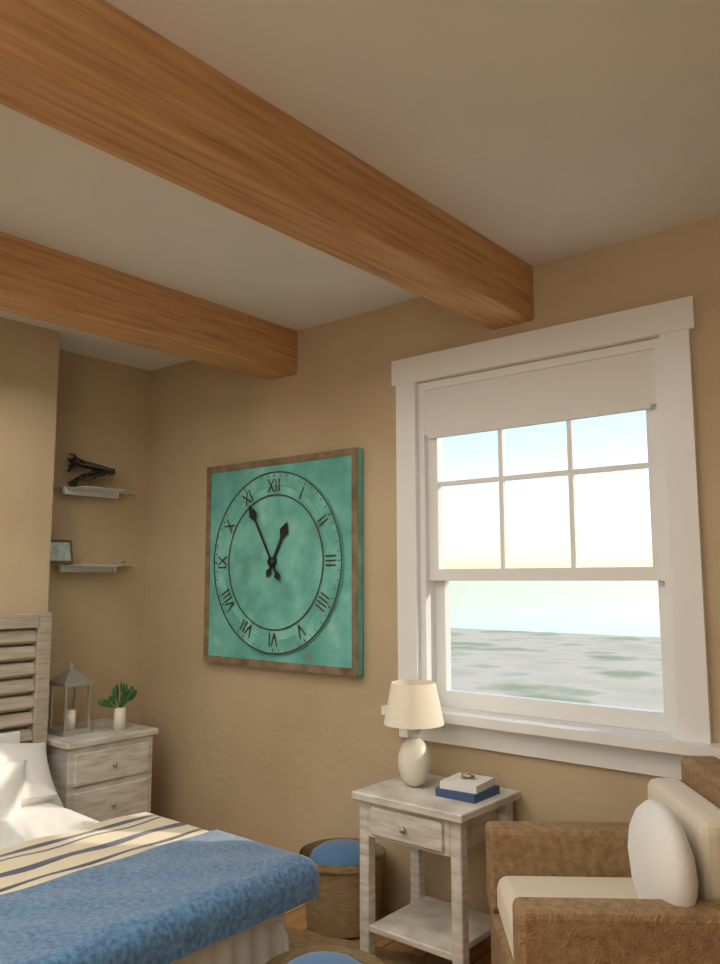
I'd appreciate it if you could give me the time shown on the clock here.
12:55
